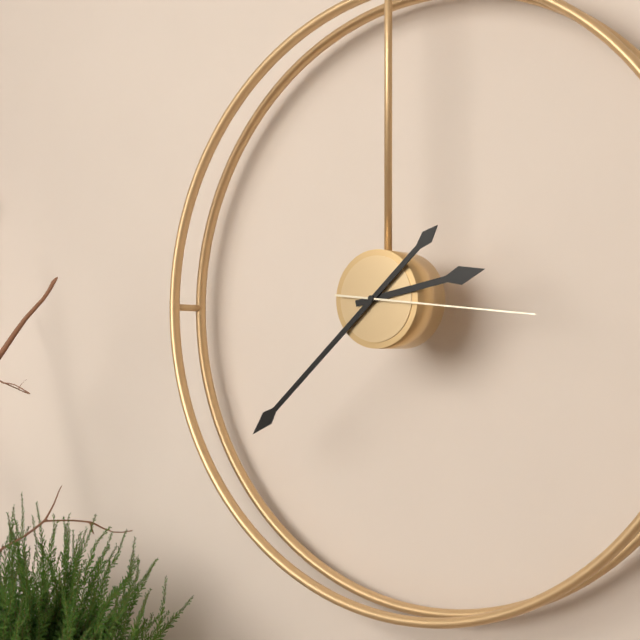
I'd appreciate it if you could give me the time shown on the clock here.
2:38:16
